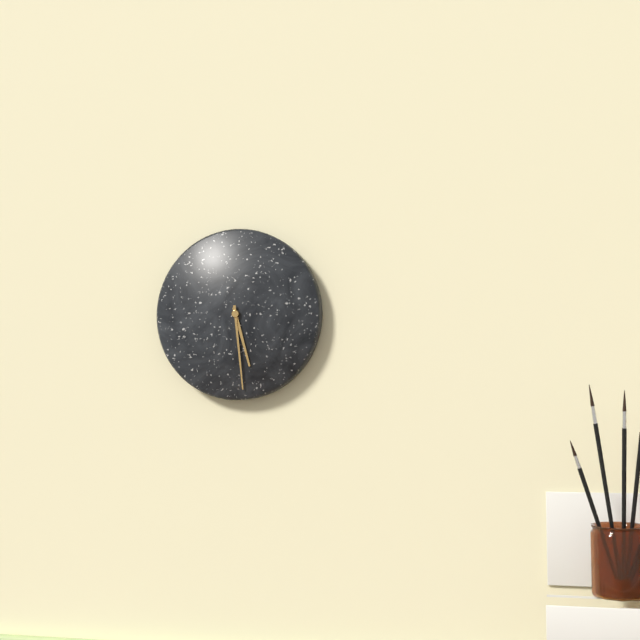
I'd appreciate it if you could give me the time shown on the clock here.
5:29
